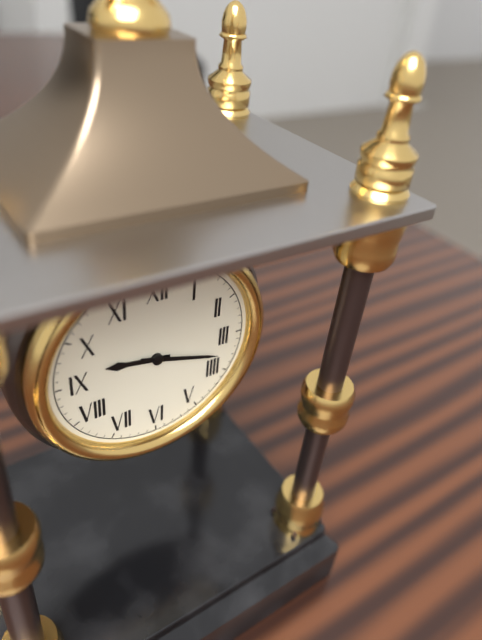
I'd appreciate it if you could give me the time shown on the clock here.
9:18
